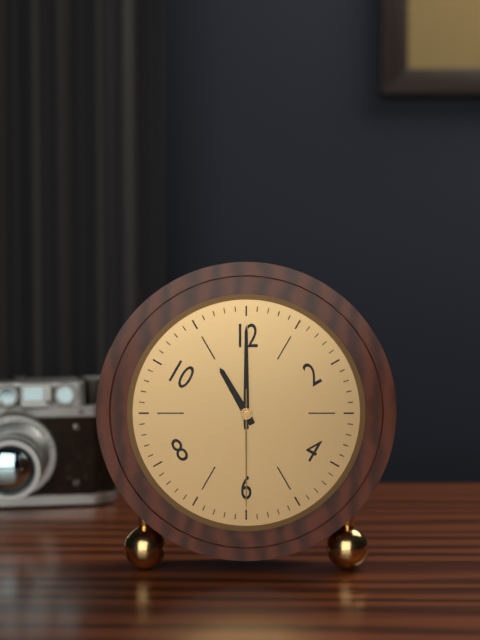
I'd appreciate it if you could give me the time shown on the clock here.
11:00:30
